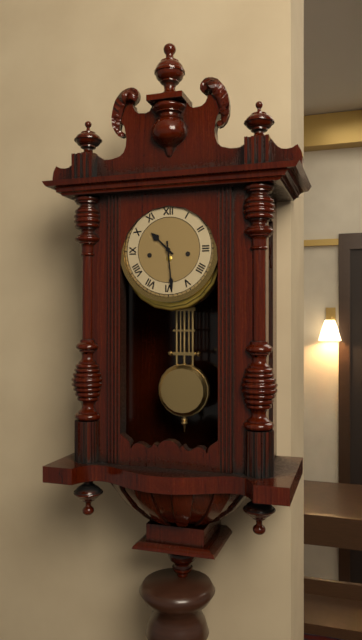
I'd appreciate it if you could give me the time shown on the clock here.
10:29
